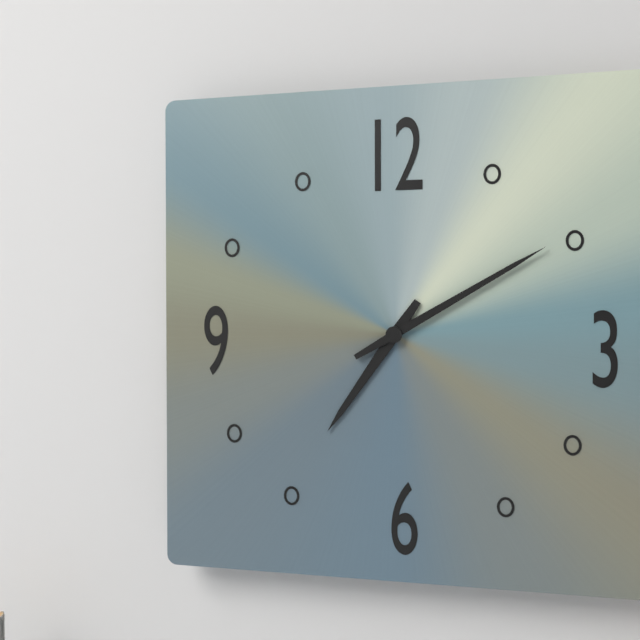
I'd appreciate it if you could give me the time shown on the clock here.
7:10
